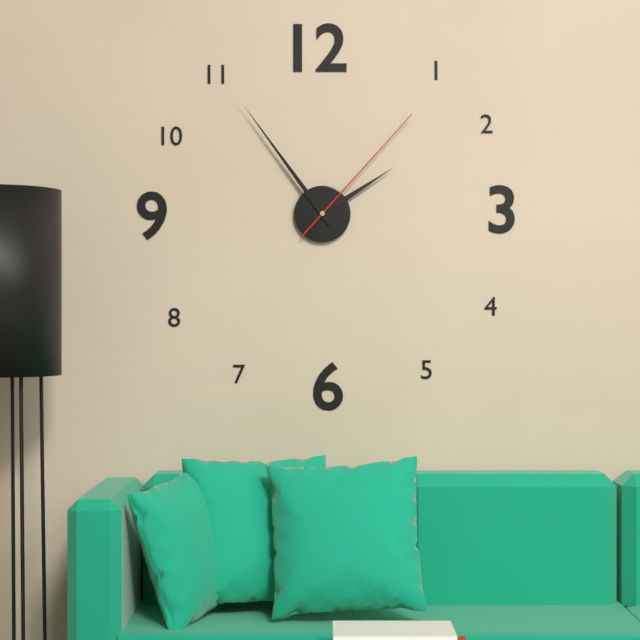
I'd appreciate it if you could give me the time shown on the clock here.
1:54:07
